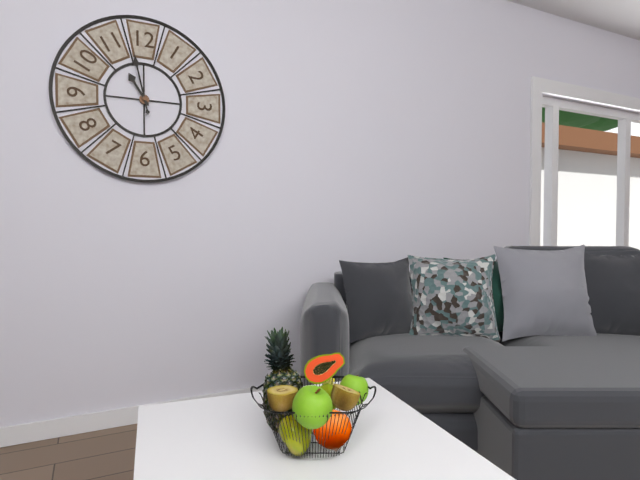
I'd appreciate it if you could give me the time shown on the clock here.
10:58
